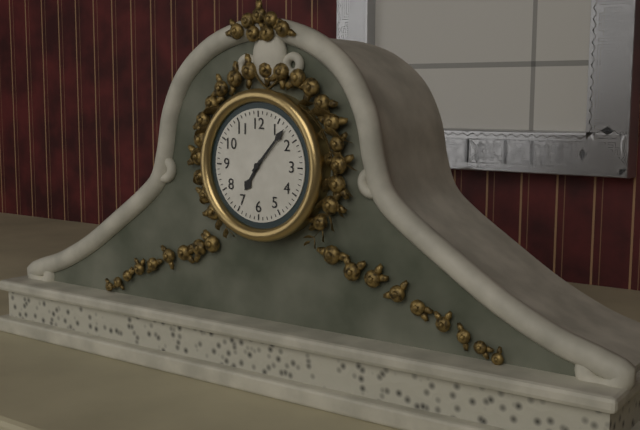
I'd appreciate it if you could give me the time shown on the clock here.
7:07
